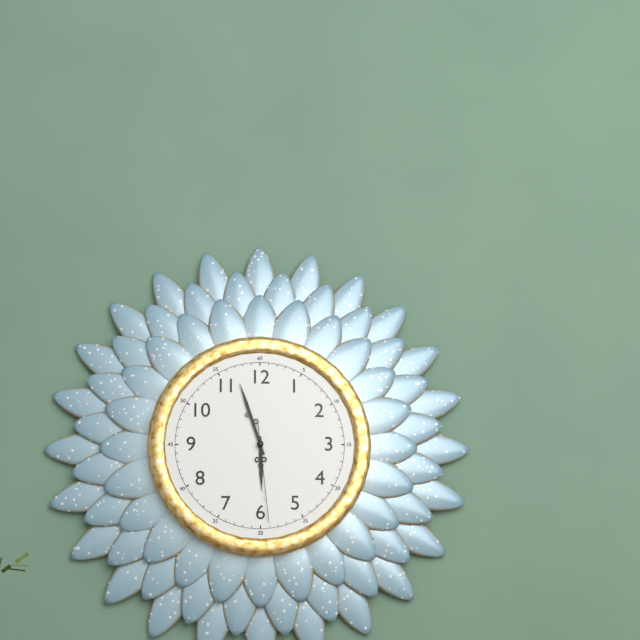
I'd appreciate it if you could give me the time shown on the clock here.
5:57:29
